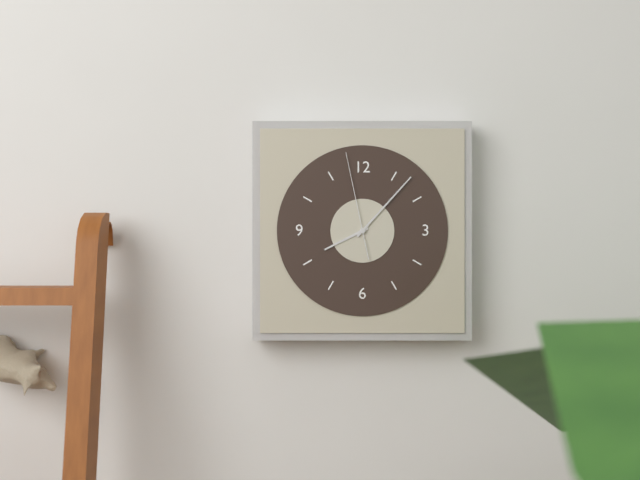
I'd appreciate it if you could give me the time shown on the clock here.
8:07:58
